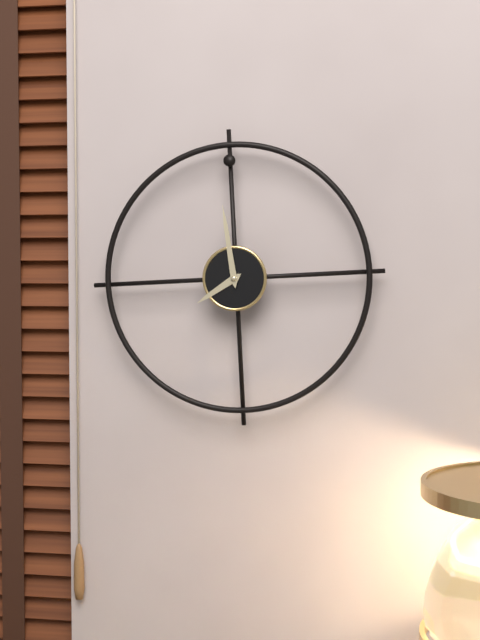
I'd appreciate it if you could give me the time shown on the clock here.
7:59
